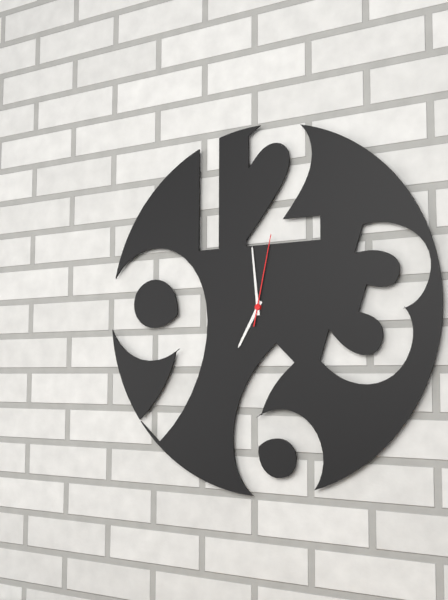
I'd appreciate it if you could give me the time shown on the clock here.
6:59:02
